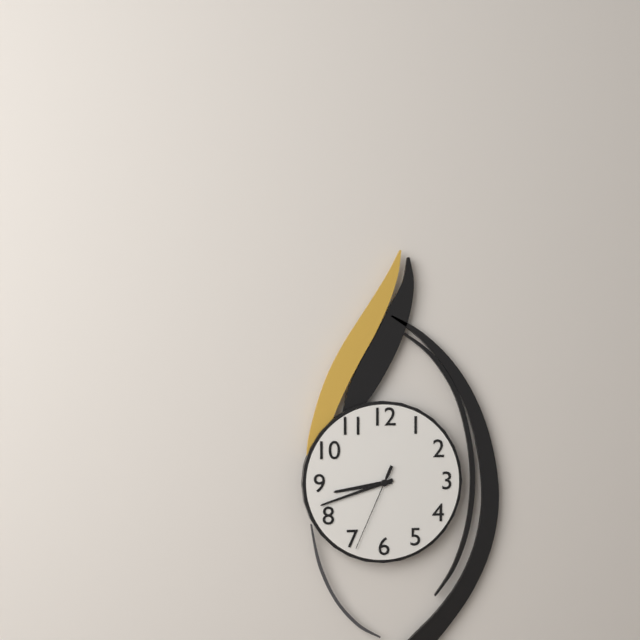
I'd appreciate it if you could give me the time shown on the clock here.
8:42:34
